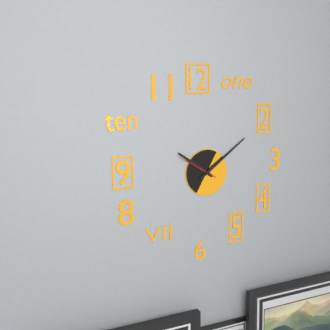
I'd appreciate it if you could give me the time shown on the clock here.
10:09
